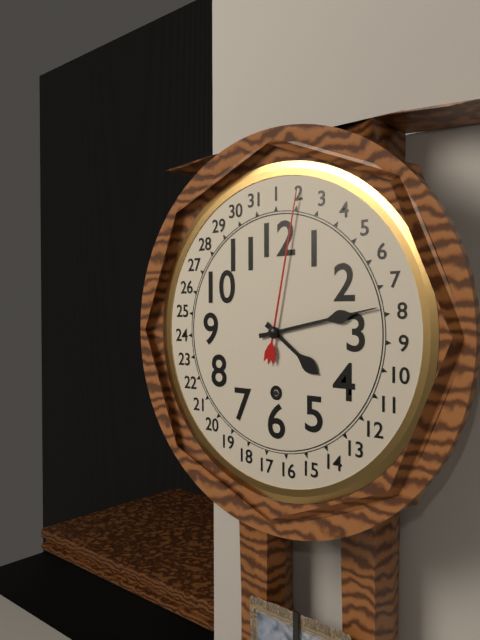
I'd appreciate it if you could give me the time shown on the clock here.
4:13
